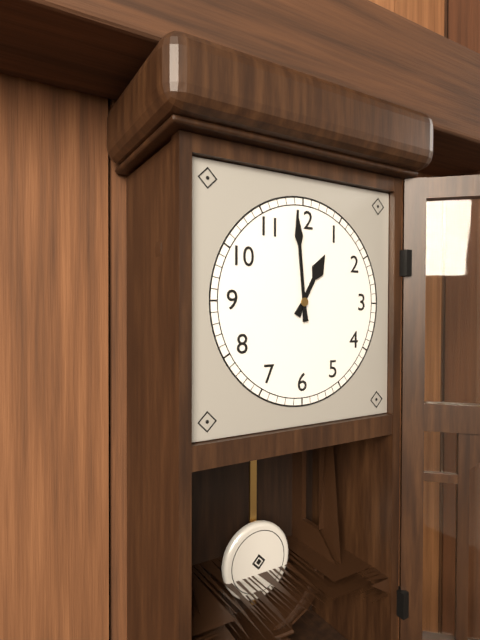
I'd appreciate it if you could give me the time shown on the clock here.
12:59
